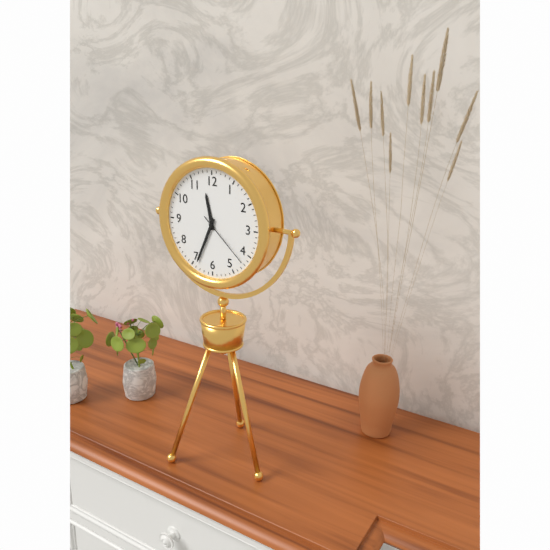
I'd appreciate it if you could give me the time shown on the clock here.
11:34:22
